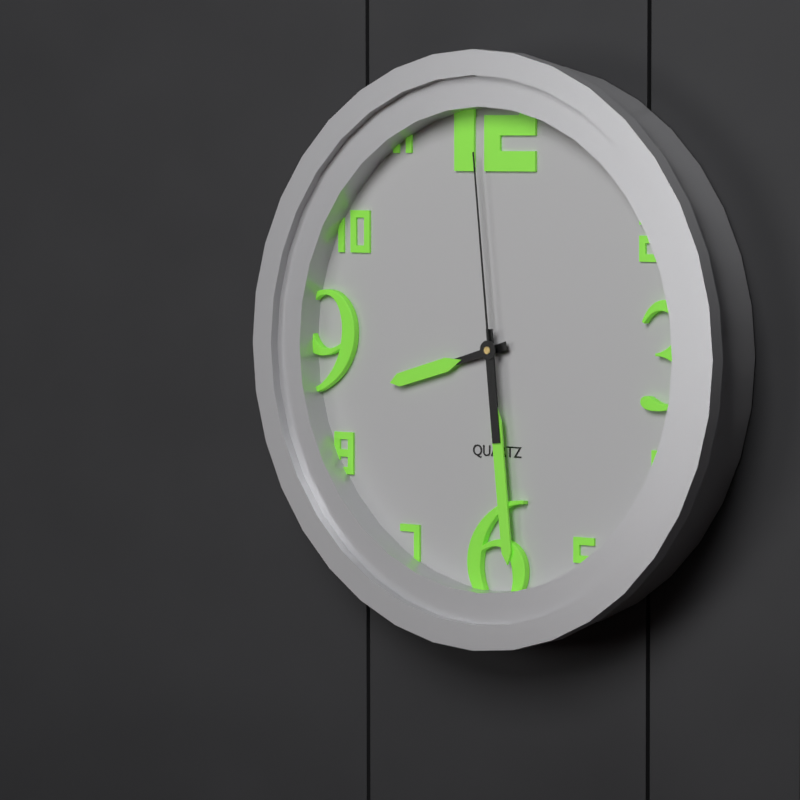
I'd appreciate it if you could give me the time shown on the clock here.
8:29:59
